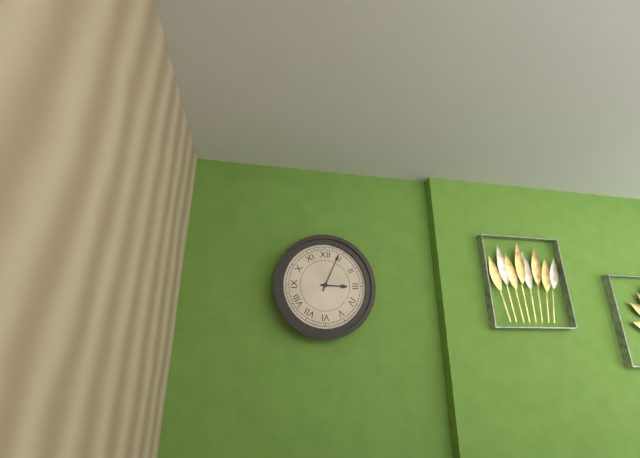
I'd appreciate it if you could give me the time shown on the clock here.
3:04
